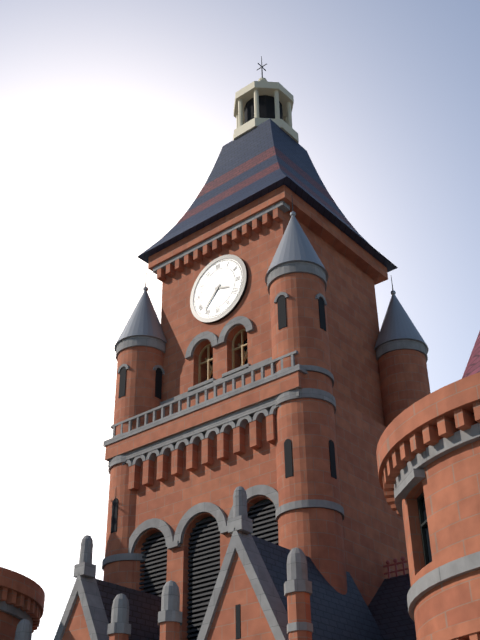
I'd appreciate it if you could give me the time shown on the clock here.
3:37
